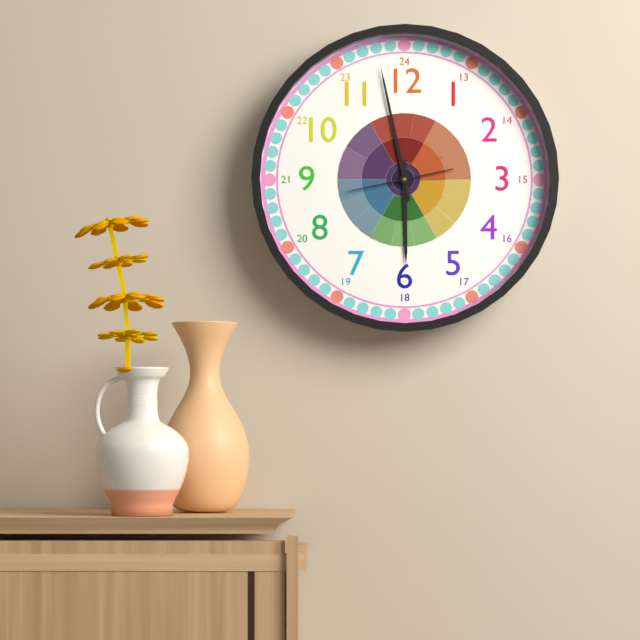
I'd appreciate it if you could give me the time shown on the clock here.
5:58:43
